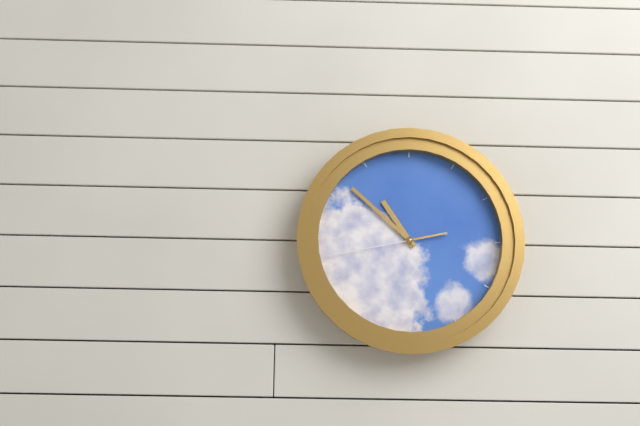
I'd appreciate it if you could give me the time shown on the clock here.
10:52:43
